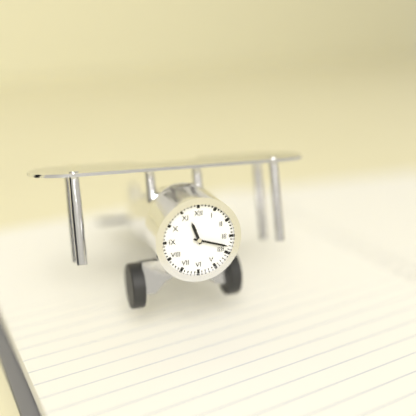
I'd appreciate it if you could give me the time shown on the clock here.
11:18
